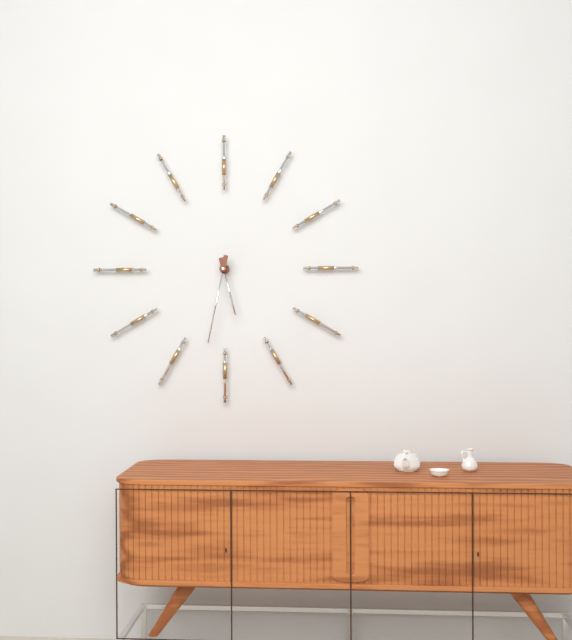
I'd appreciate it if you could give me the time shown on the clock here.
5:32
